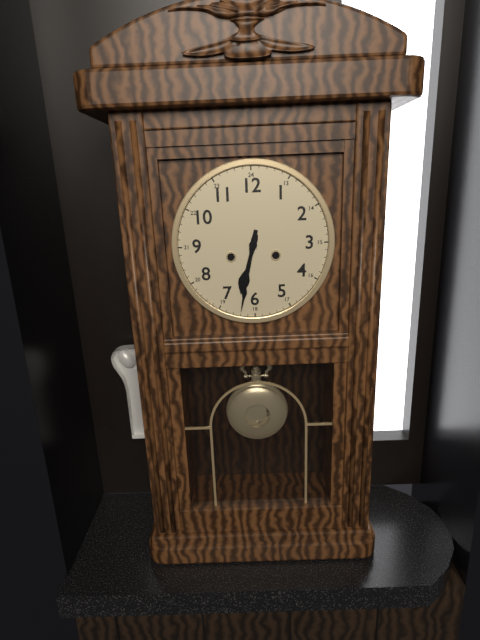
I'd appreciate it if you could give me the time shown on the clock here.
6:32
